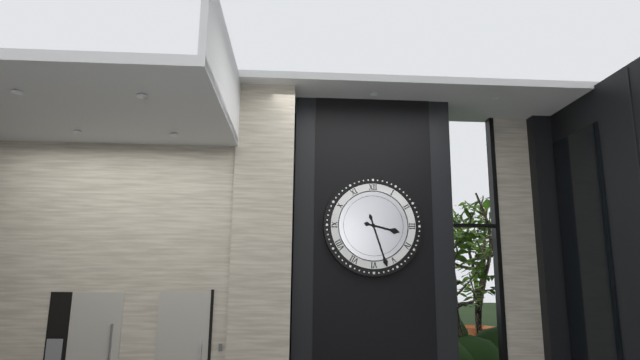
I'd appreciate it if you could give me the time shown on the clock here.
3:27
